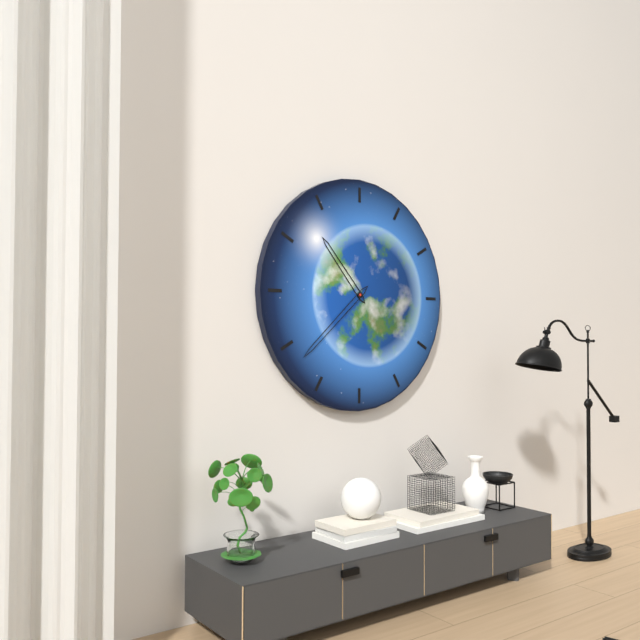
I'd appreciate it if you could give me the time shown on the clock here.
10:38
